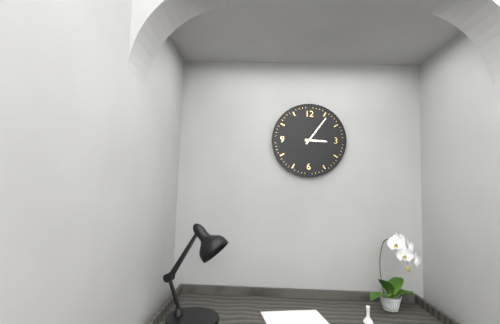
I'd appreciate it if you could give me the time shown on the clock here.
3:06
